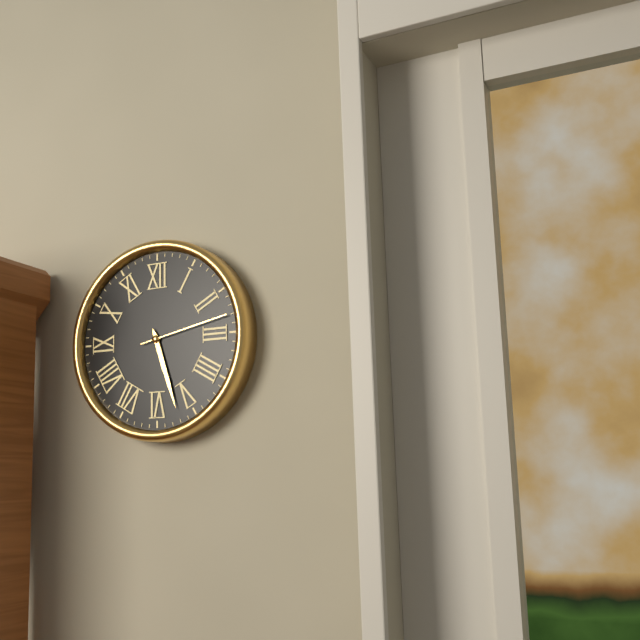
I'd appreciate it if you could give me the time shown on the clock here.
5:27:13
